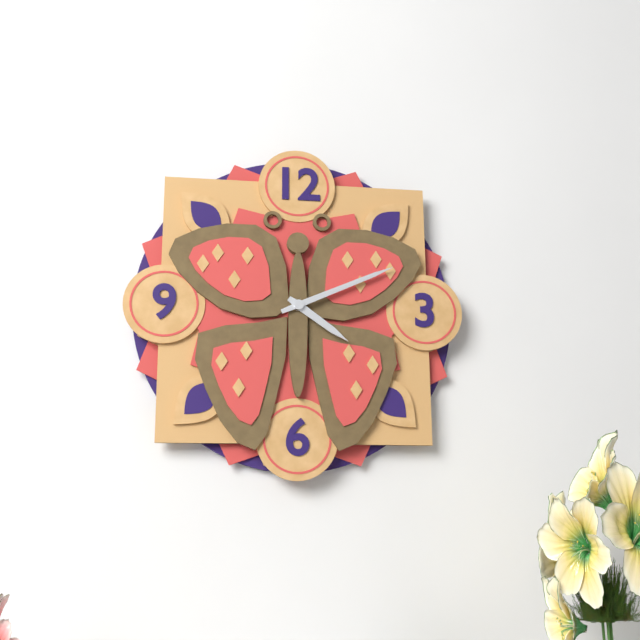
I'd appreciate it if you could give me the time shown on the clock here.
4:11
